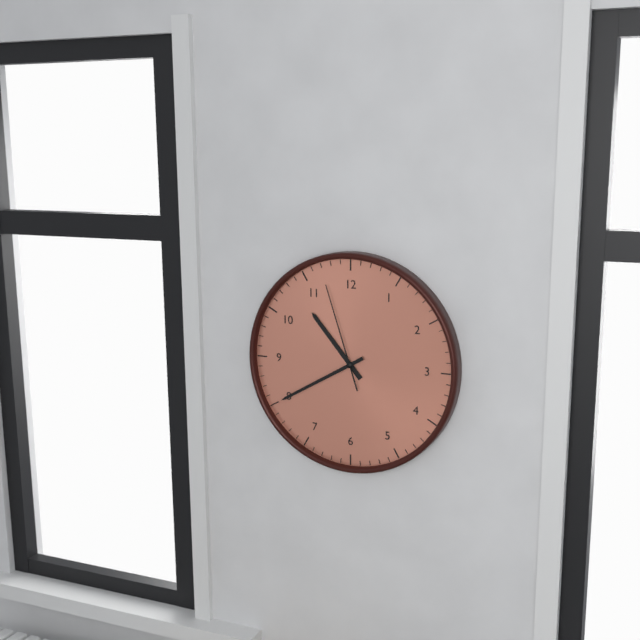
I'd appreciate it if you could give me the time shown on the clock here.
10:40:57
